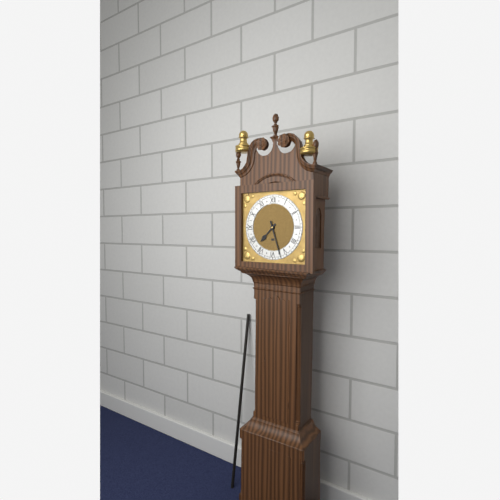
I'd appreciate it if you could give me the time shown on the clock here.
7:27
